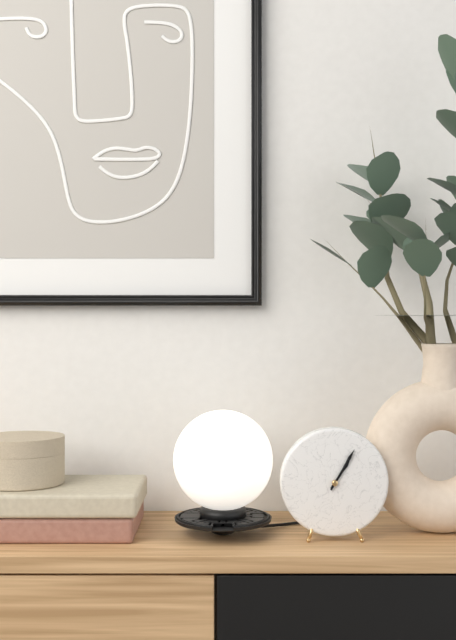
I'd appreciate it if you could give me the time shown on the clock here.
1:05
